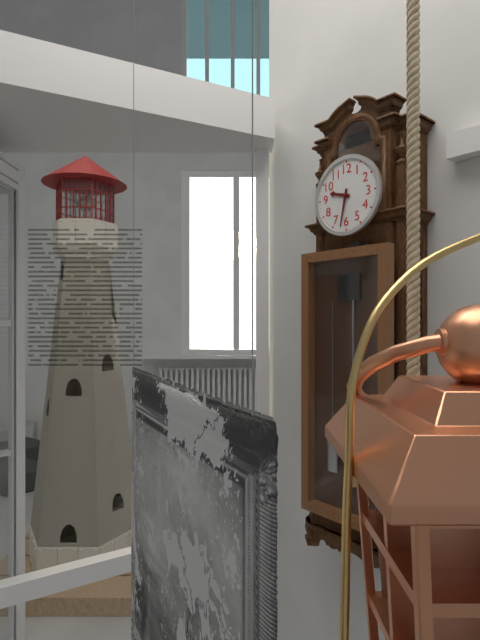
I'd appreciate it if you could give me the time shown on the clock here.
9:32
